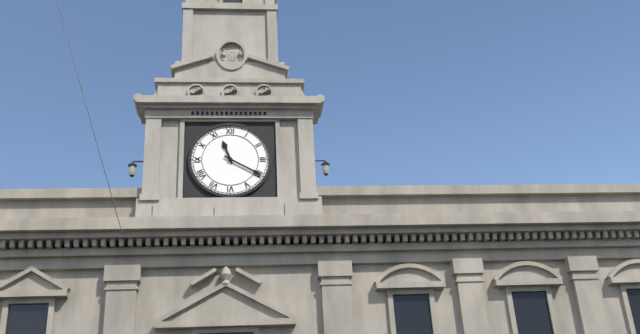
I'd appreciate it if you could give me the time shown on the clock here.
11:20
